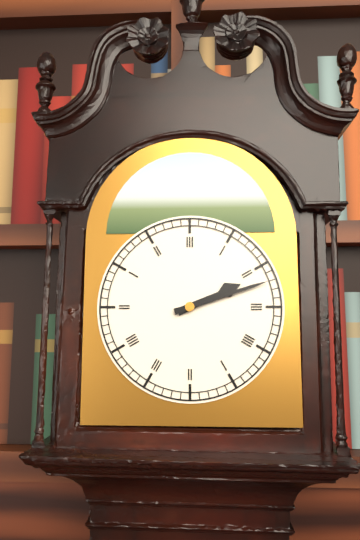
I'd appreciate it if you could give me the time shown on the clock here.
2:12
